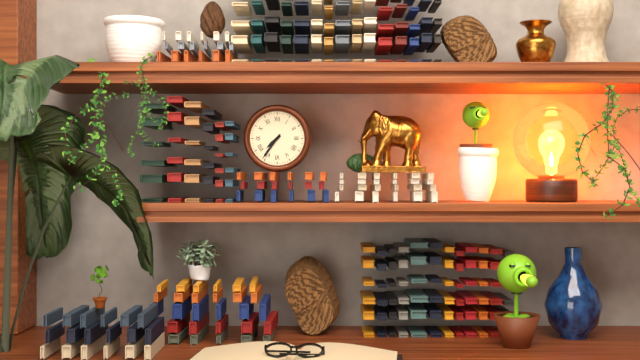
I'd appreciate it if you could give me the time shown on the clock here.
7:36
